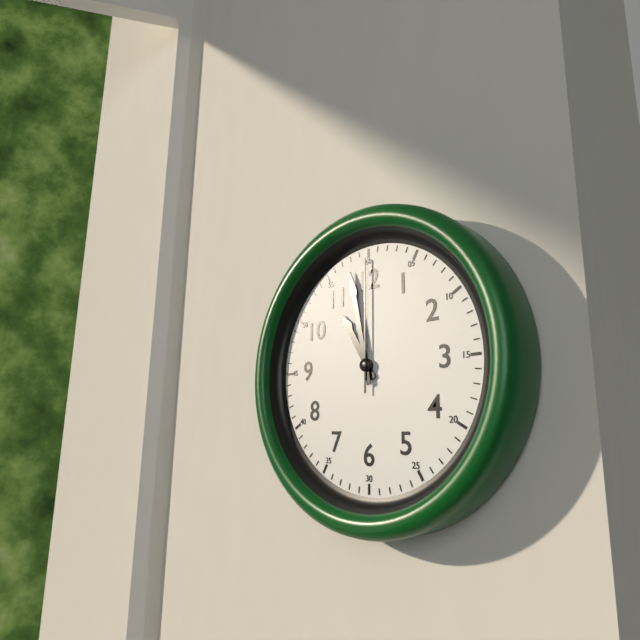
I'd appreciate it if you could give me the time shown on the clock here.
10:58:00
